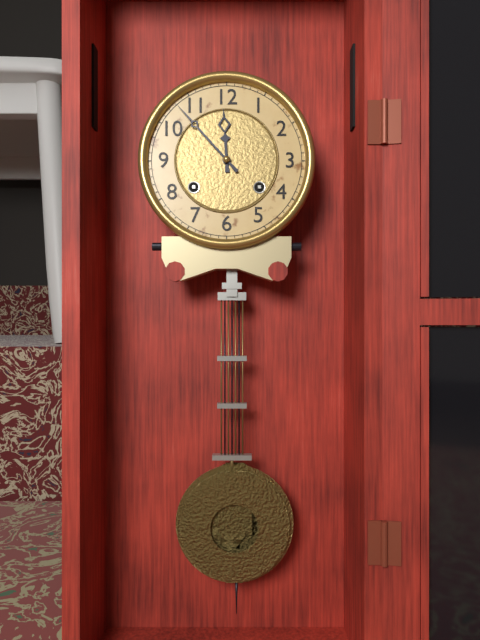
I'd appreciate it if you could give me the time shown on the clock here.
11:53
